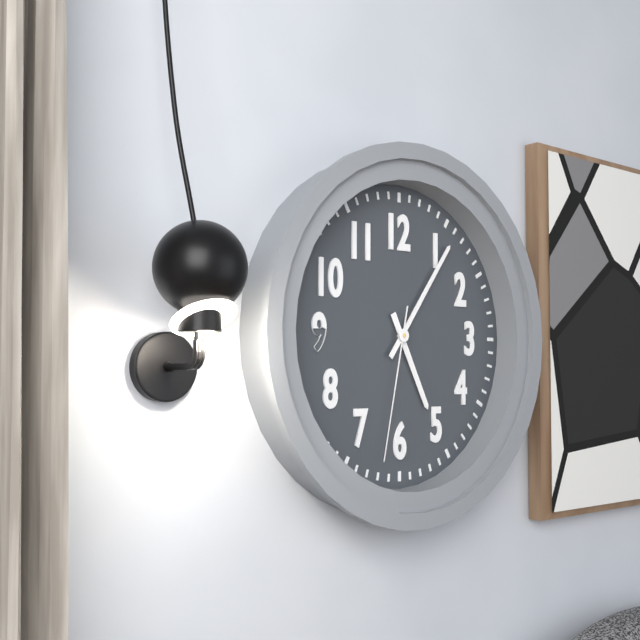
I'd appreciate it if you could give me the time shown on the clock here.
5:06:32
